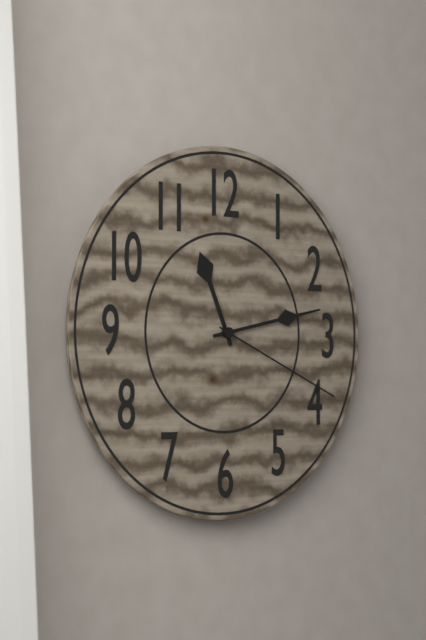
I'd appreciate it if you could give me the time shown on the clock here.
11:13:19
